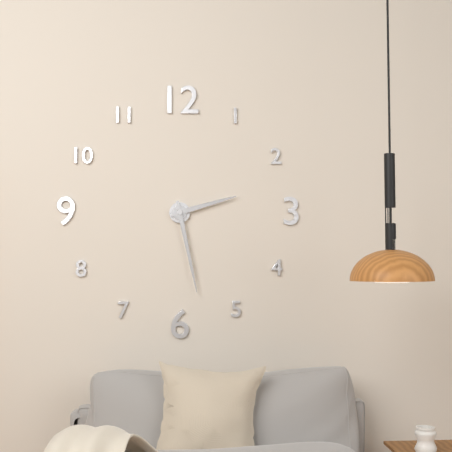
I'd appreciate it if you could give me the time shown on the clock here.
2:28
